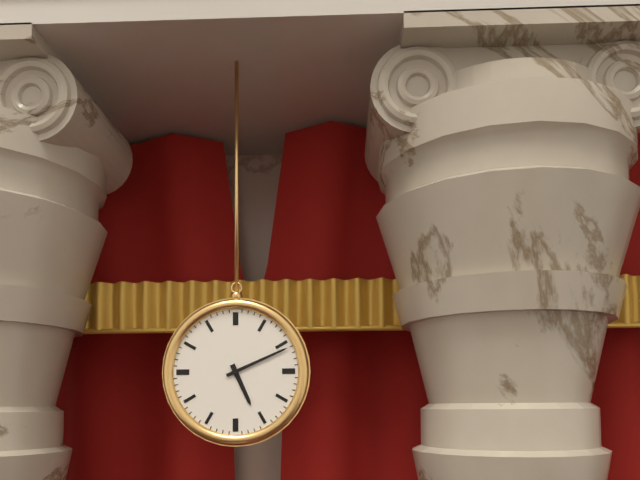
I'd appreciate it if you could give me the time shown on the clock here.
5:11
